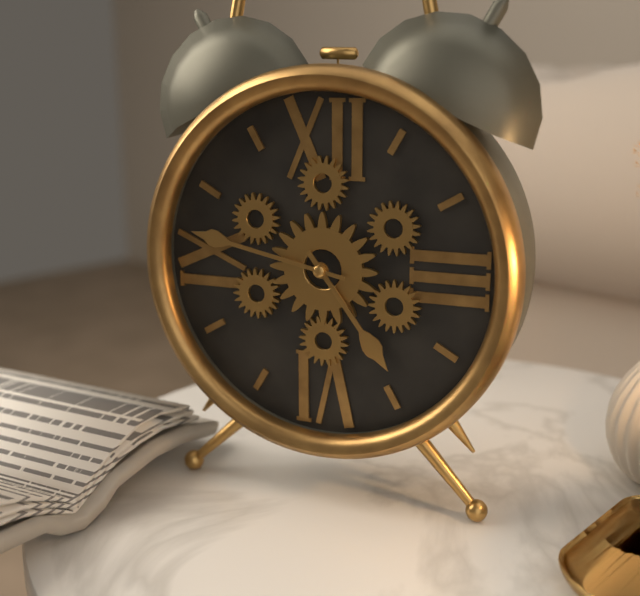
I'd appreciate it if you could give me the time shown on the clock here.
4:47
